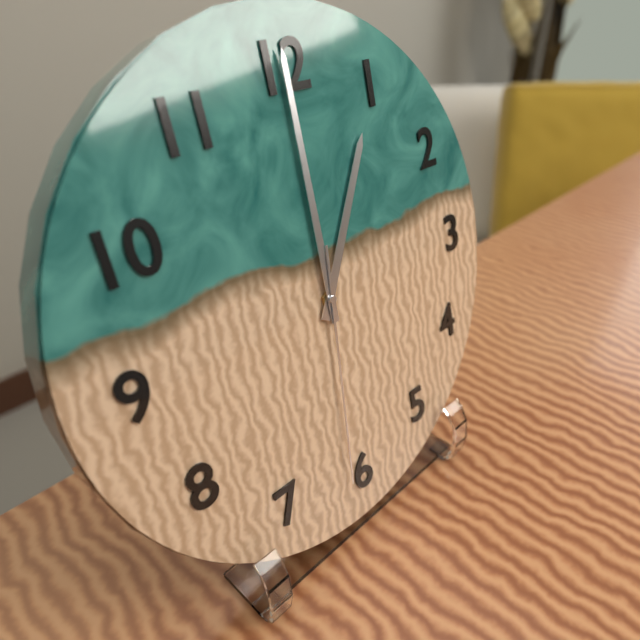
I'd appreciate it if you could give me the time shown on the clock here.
1:00:31
